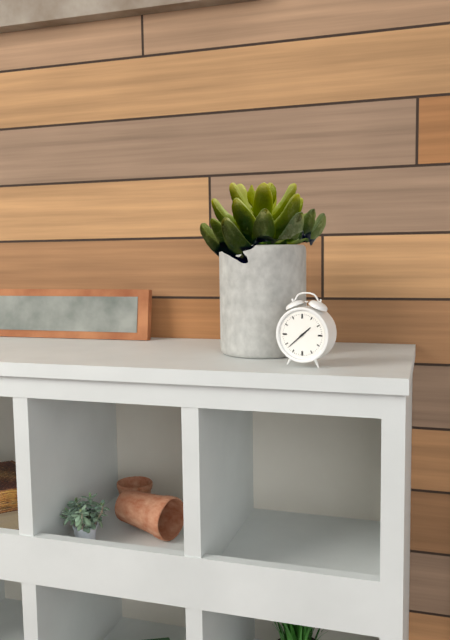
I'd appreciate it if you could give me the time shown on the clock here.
1:38
